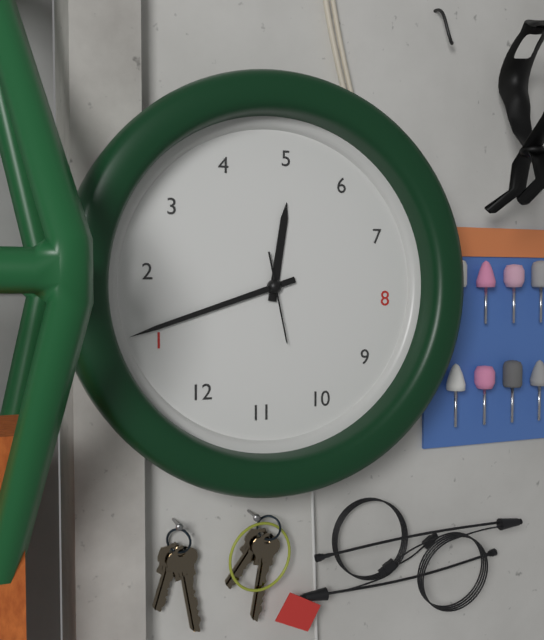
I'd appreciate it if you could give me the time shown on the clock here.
5:06:52
